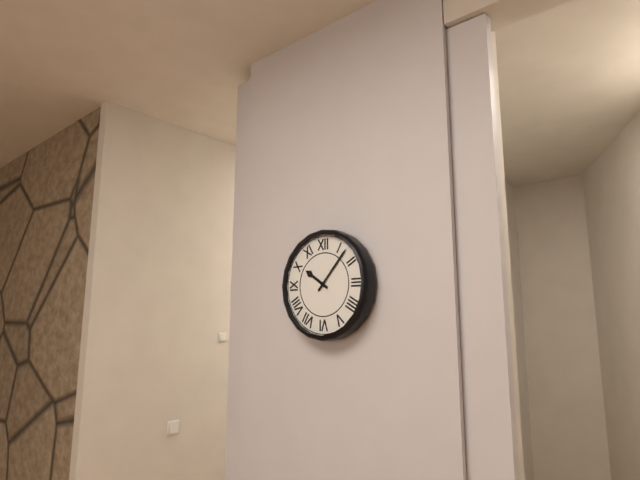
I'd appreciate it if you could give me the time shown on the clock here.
10:07
